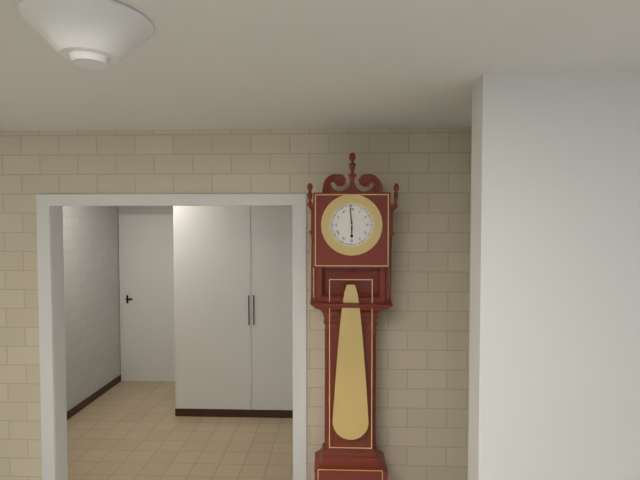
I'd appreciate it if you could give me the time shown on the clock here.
5:59
